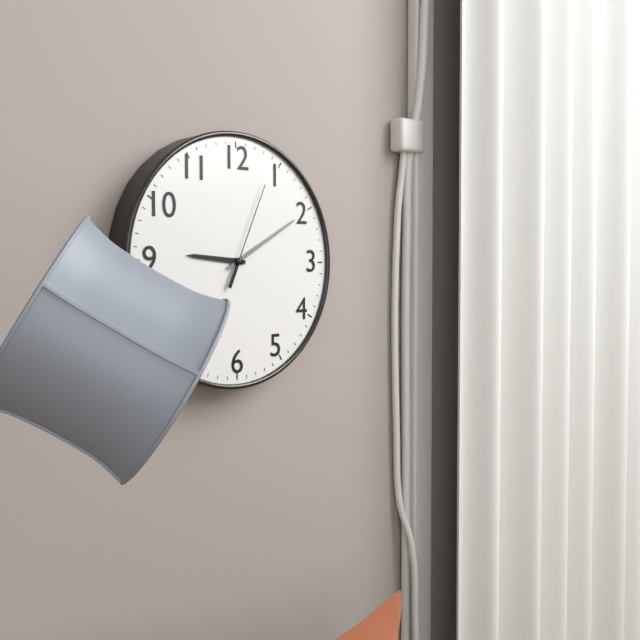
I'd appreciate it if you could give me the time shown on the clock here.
9:10:04
